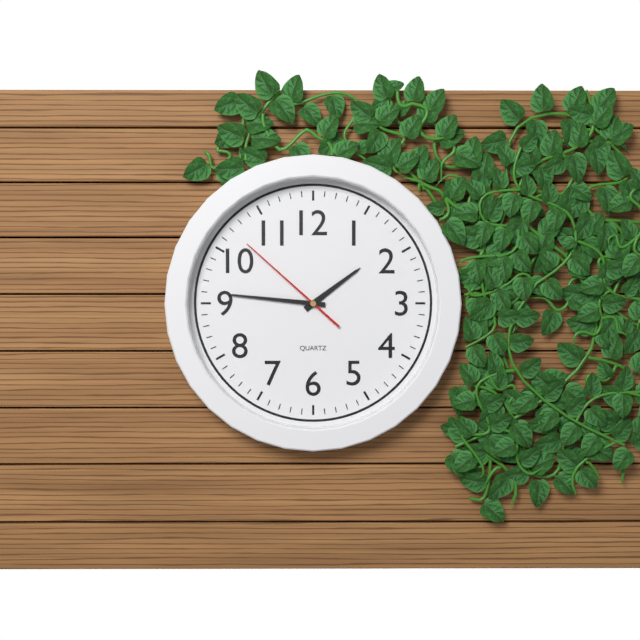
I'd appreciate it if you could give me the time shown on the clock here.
1:46:52
